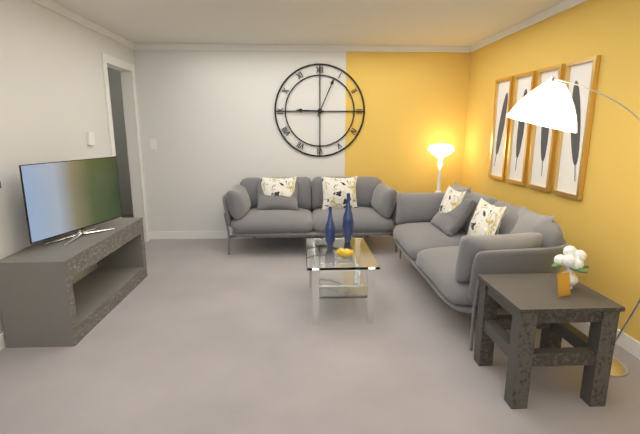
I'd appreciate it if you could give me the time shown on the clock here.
9:04
